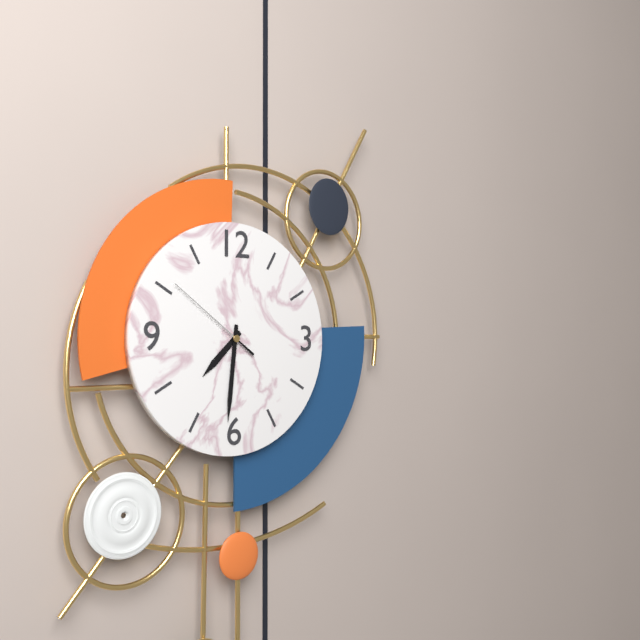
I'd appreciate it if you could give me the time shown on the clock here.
7:31:51
